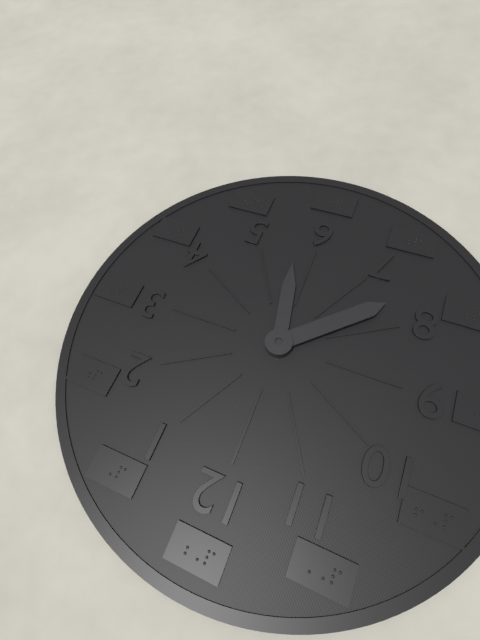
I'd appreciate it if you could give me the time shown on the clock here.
5:38
